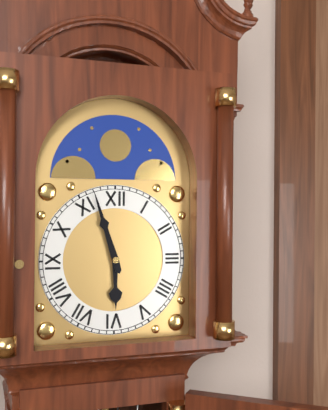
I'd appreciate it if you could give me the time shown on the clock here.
5:57
